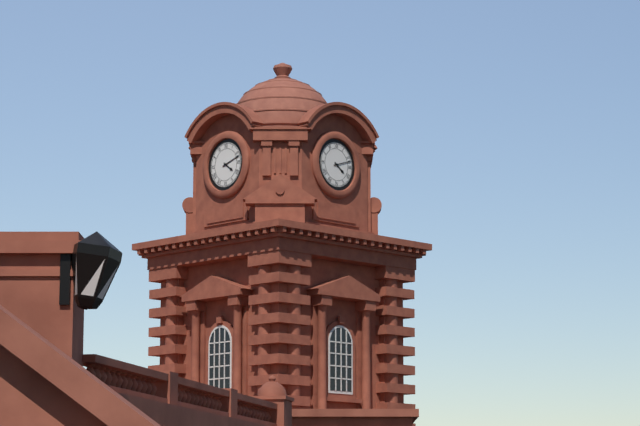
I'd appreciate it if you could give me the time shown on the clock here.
4:12
